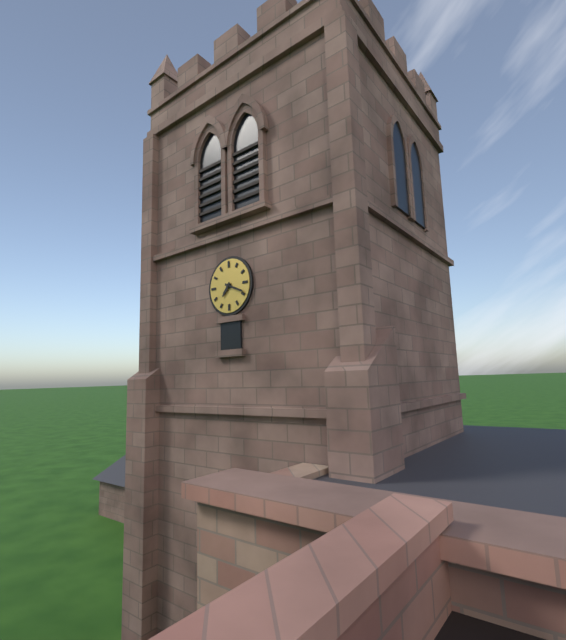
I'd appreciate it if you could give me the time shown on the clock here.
7:19
